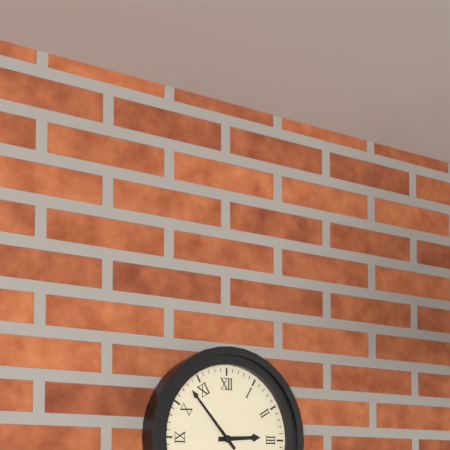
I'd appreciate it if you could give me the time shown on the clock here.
2:53
